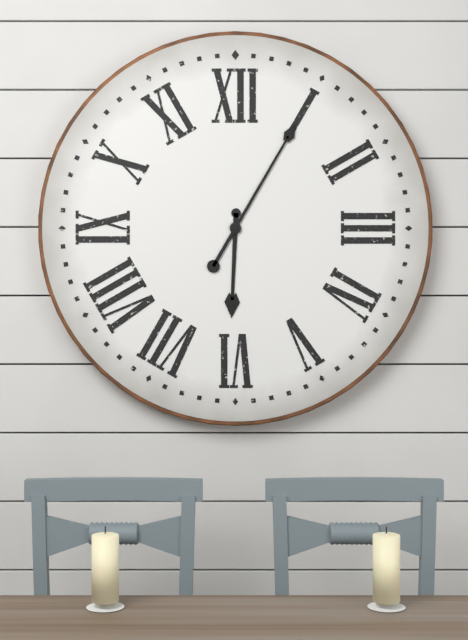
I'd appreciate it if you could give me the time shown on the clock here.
6:05
